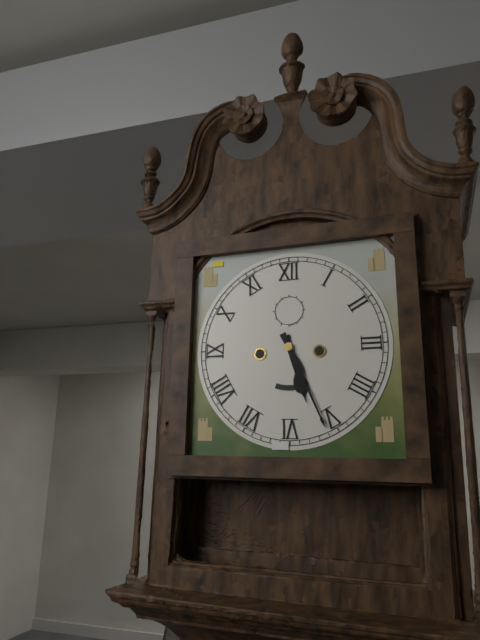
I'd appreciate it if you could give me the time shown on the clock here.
5:26
